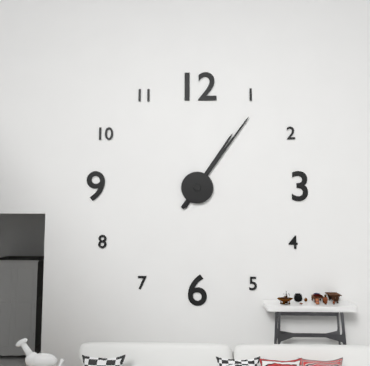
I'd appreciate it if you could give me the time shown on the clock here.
1:06
